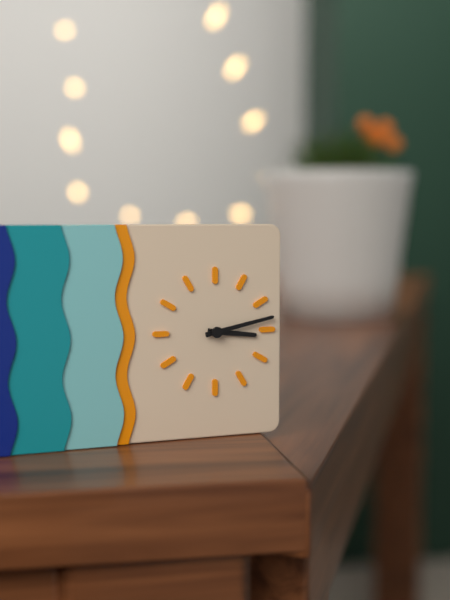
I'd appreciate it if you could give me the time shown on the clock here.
3:13
